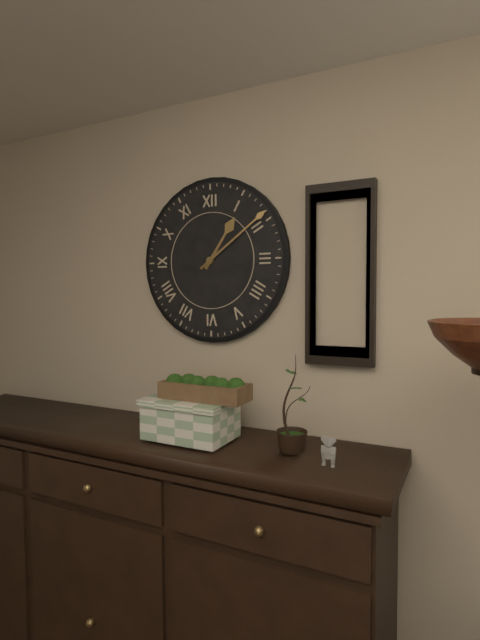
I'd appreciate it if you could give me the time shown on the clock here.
1:09
